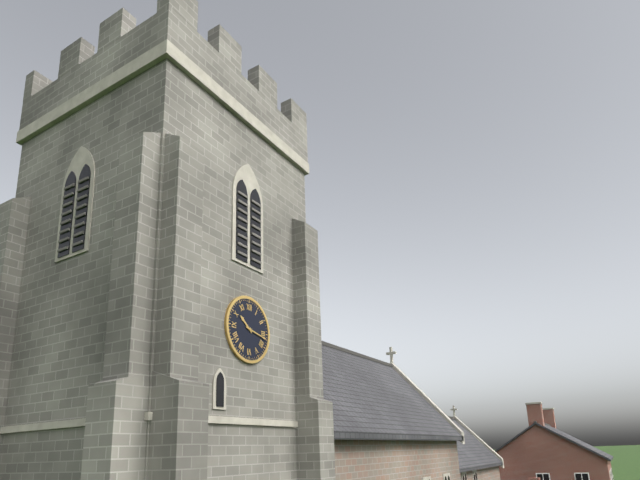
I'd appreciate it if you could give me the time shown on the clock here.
10:17
